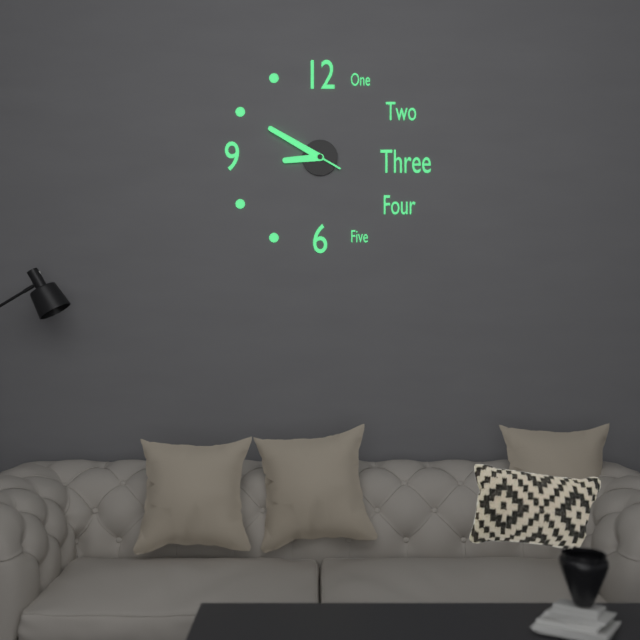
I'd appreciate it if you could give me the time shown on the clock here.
8:50:50
